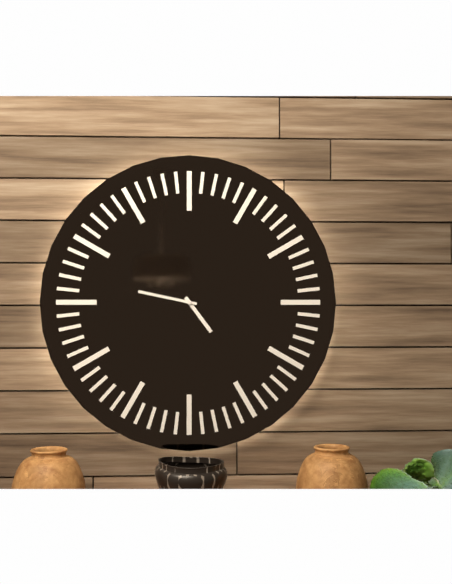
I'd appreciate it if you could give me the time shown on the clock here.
4:47
